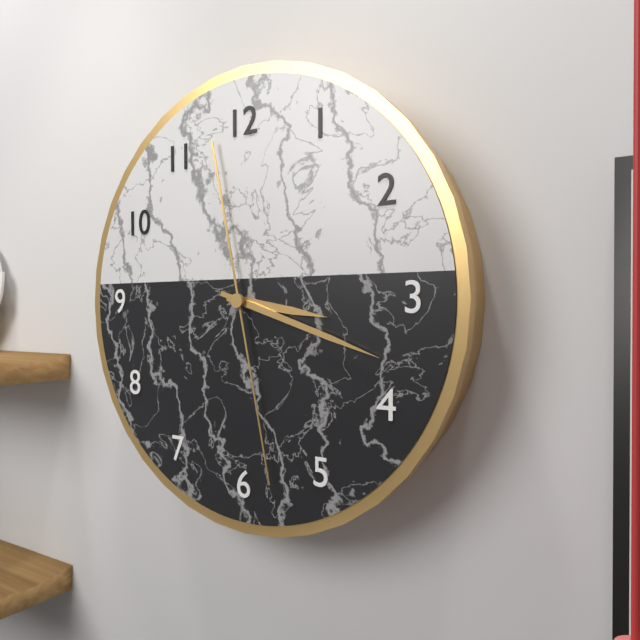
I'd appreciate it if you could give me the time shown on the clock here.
3:18:28
